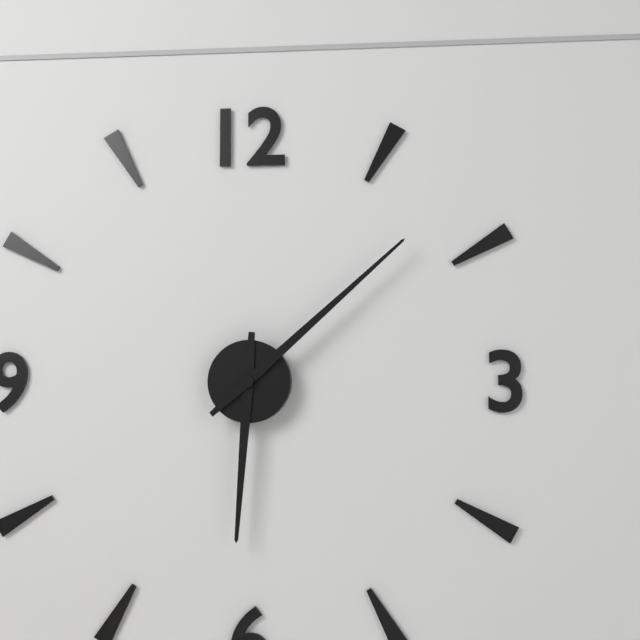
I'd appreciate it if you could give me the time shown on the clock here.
6:08
